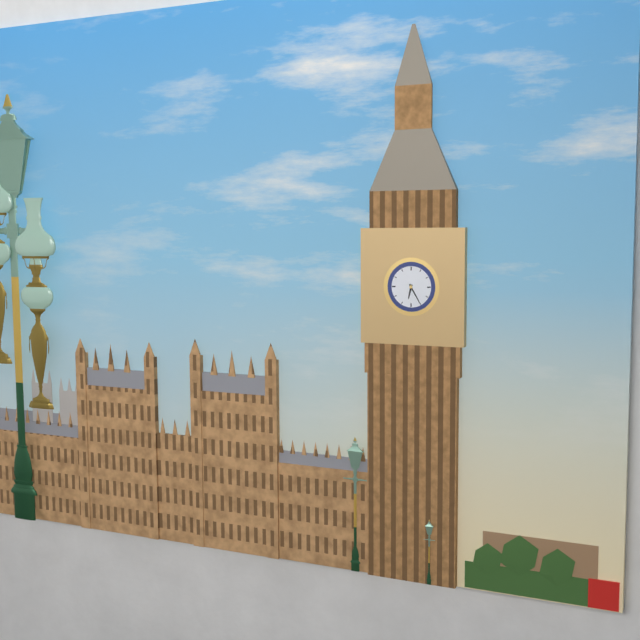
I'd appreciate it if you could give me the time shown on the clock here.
6:25
